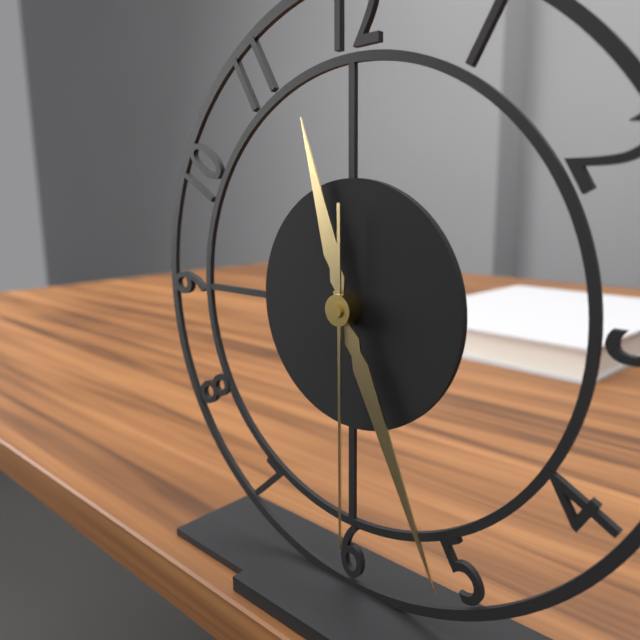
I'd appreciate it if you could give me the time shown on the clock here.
11:26:30
